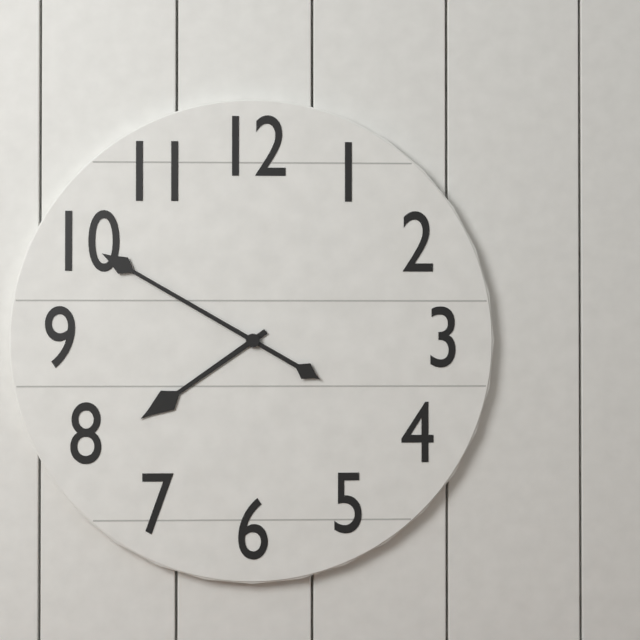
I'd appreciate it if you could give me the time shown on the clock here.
7:50
